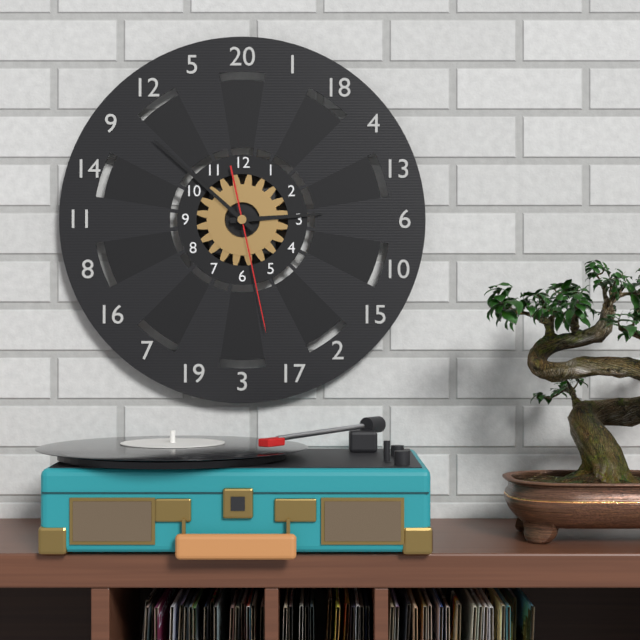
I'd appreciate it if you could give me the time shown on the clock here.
2:52:28
